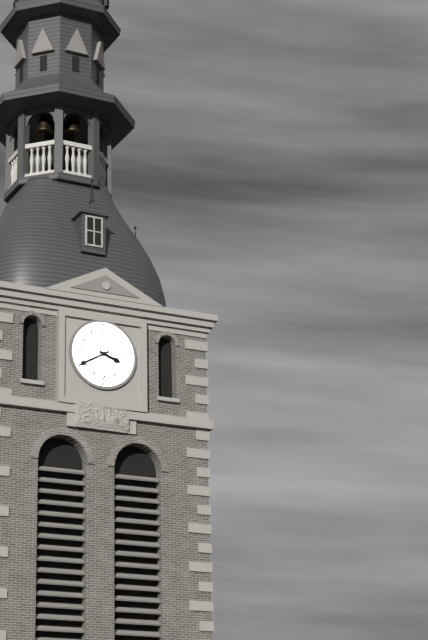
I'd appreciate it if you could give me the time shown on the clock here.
3:40
